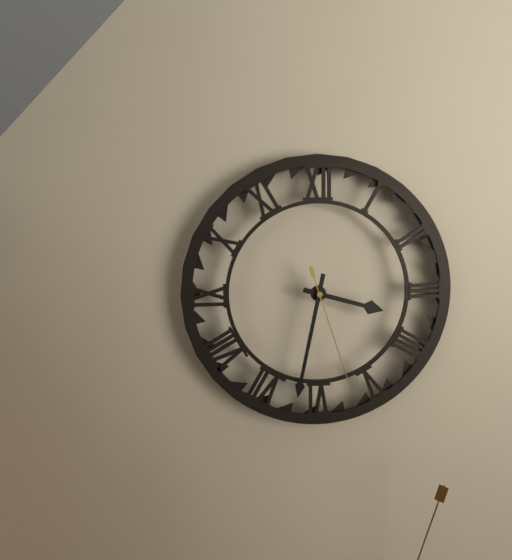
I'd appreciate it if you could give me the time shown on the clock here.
3:32:27
